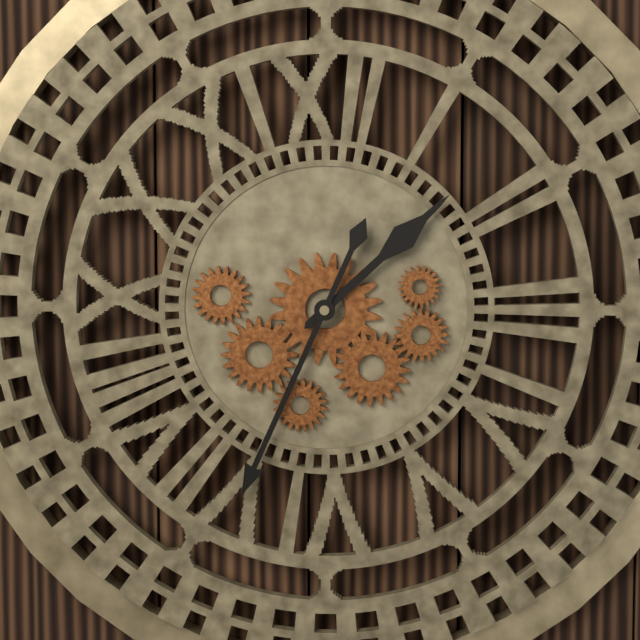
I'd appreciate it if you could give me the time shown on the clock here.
1:34
